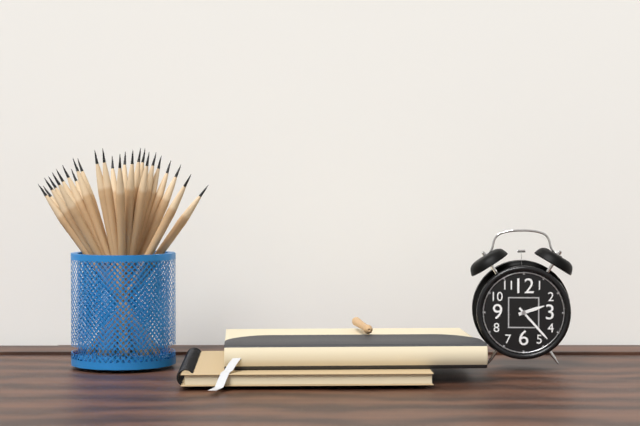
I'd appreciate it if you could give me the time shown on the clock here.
2:23
